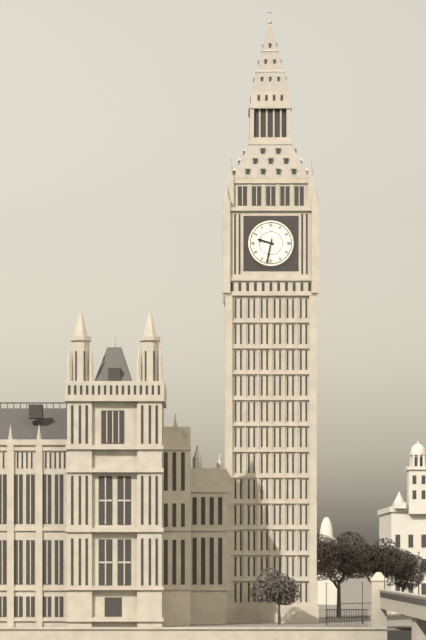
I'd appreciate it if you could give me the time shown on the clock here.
9:32
